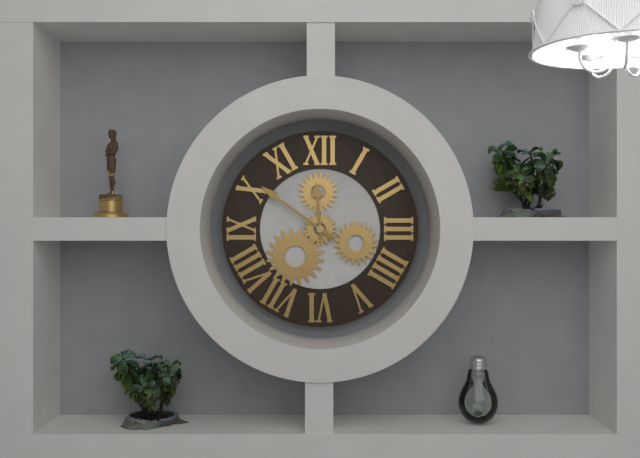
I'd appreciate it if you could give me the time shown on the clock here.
11:51
